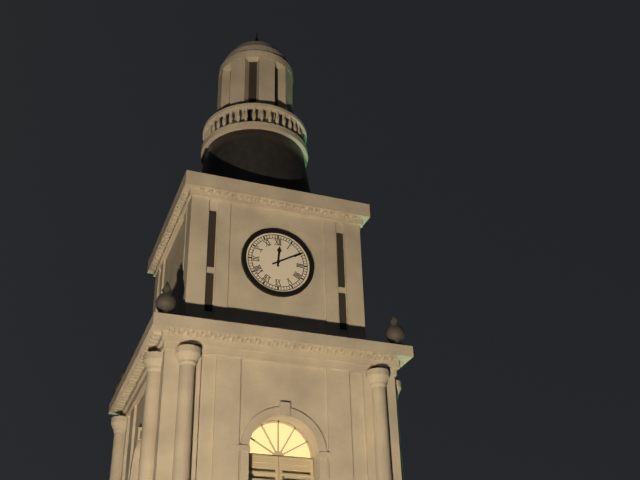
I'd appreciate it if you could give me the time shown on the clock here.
12:10
